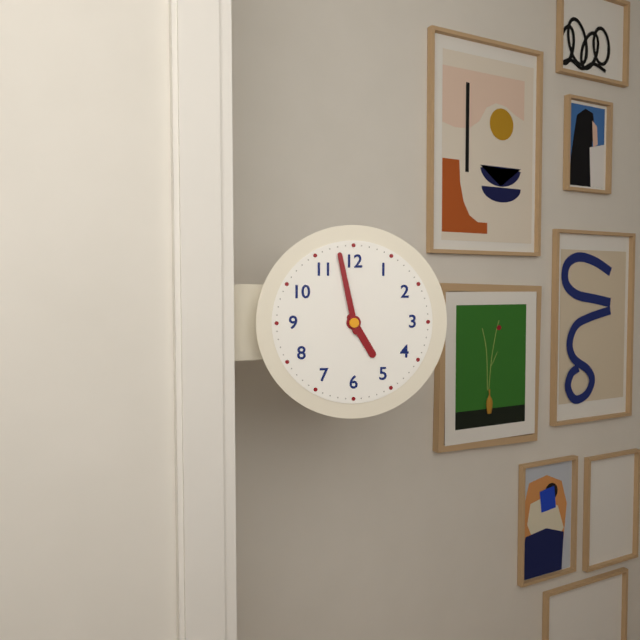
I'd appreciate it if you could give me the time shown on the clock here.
4:58
